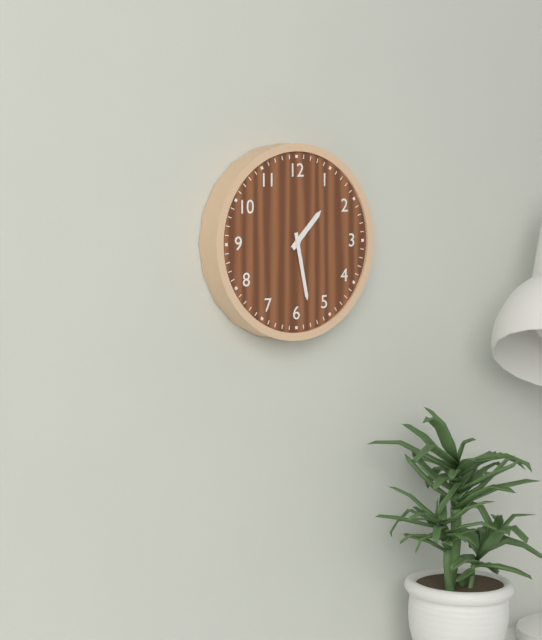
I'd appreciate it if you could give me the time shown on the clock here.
1:28
